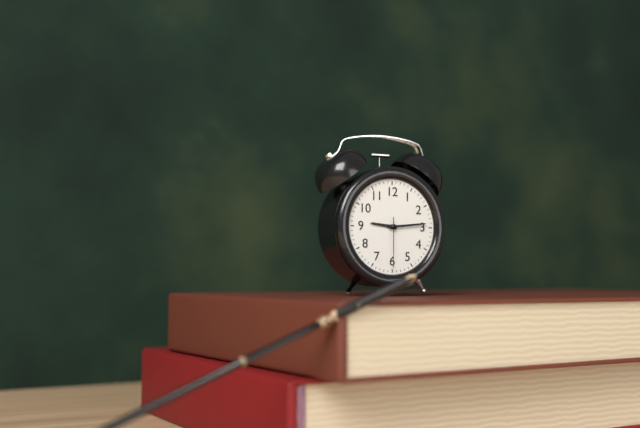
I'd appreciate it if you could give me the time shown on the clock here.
9:14:30
